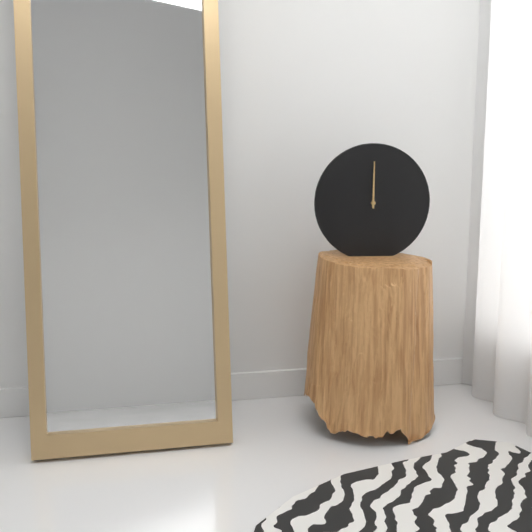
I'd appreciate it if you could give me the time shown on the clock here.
12:00
